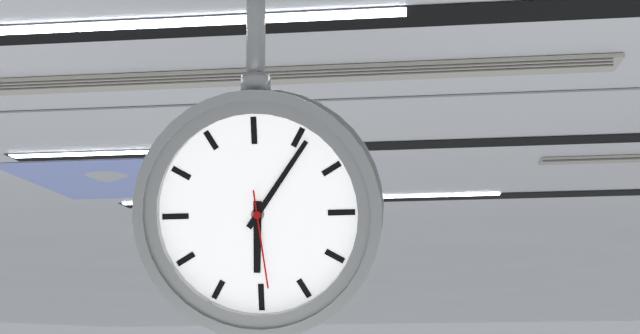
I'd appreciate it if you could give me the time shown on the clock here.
6:06:29
